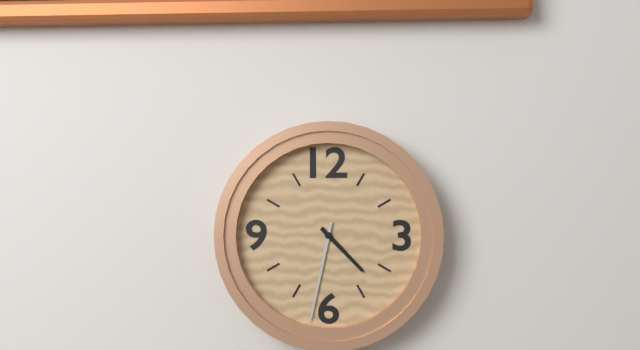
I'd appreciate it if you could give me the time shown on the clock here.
4:32
